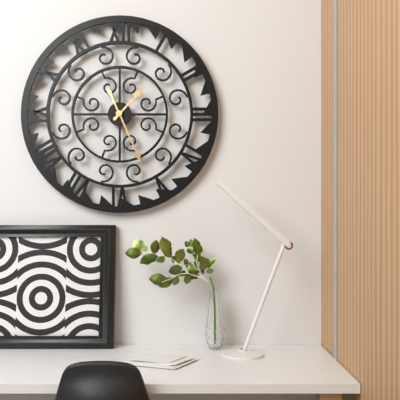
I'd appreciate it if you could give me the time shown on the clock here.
1:26
